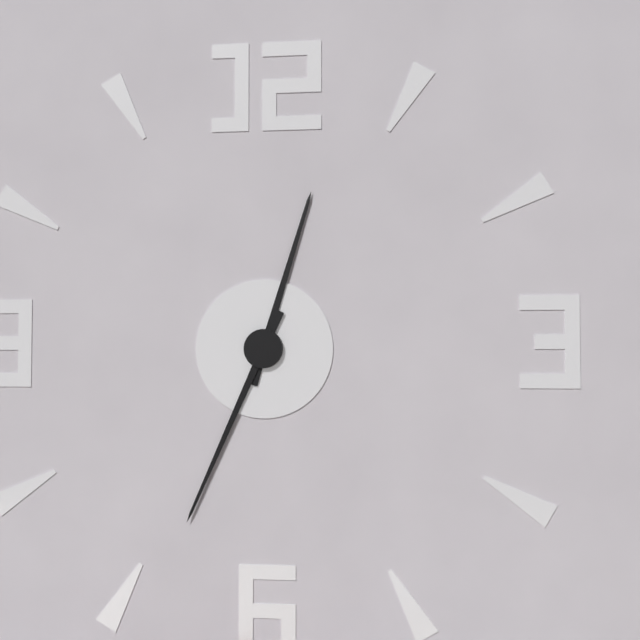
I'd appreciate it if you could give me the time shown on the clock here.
12:34
